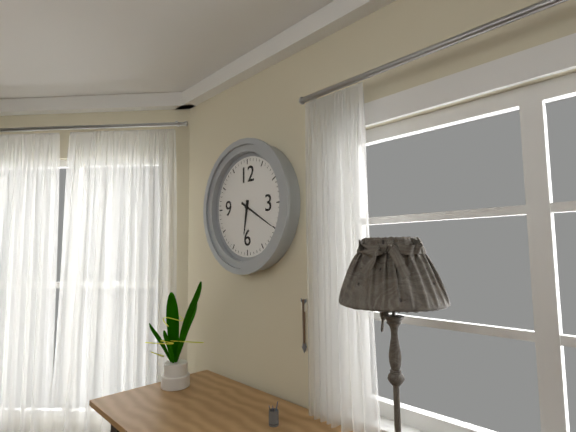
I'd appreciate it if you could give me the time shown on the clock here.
6:20
